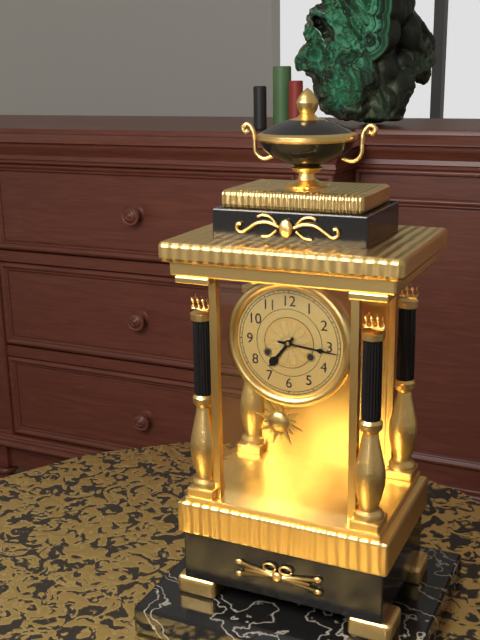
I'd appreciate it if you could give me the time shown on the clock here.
7:16
